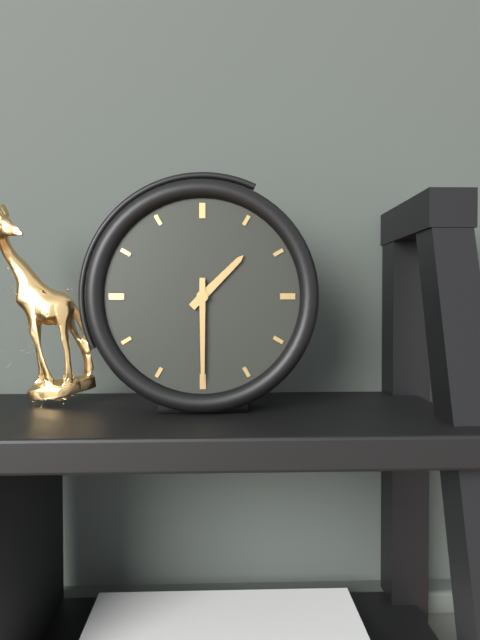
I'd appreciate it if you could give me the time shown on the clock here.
1:30
